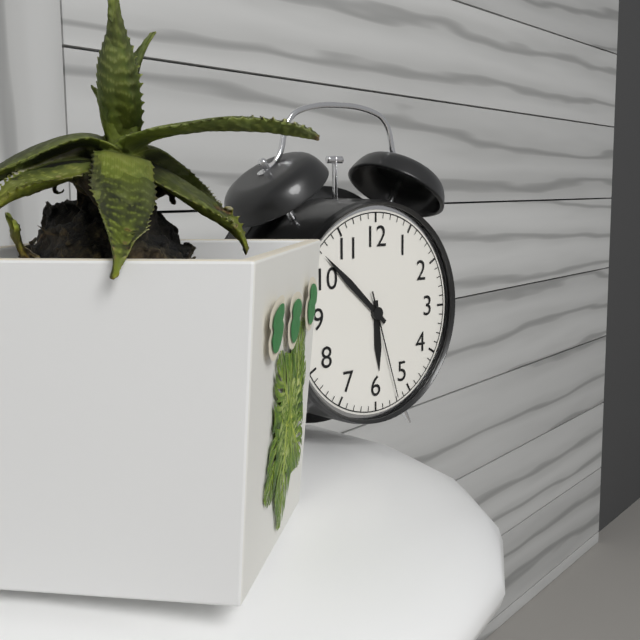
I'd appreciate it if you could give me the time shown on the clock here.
5:52:27
